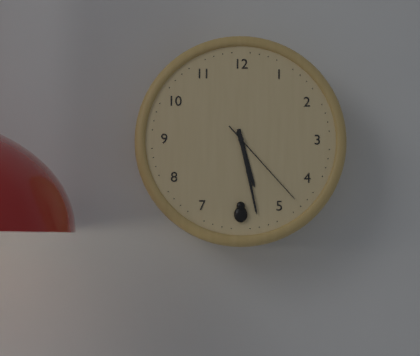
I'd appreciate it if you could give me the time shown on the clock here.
5:28:23
